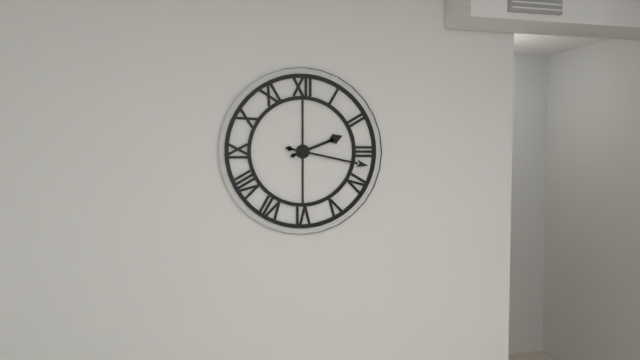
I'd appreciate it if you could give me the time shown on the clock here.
2:17
